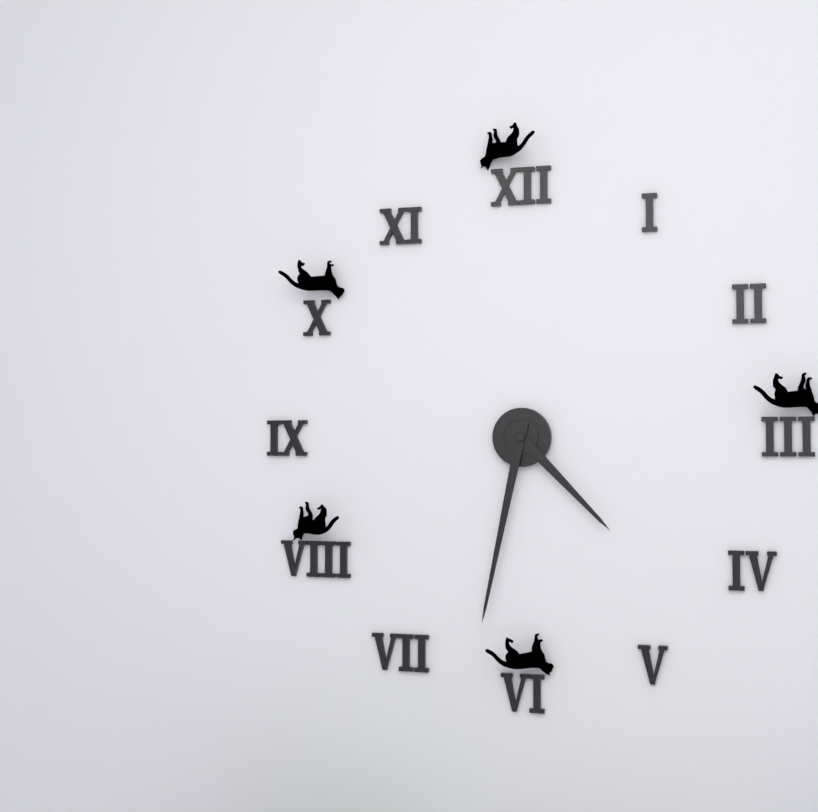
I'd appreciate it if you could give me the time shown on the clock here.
4:32
